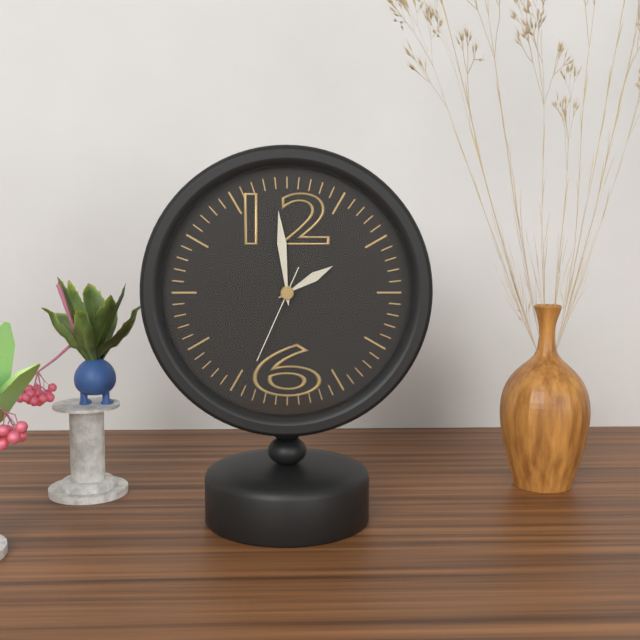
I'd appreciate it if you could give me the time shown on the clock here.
1:59:34
